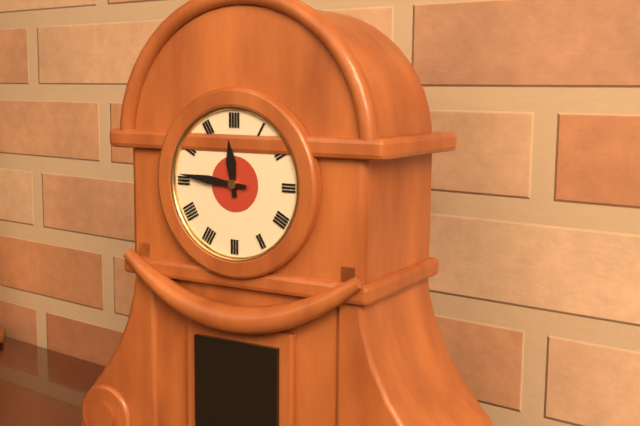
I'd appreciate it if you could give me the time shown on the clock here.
11:46
